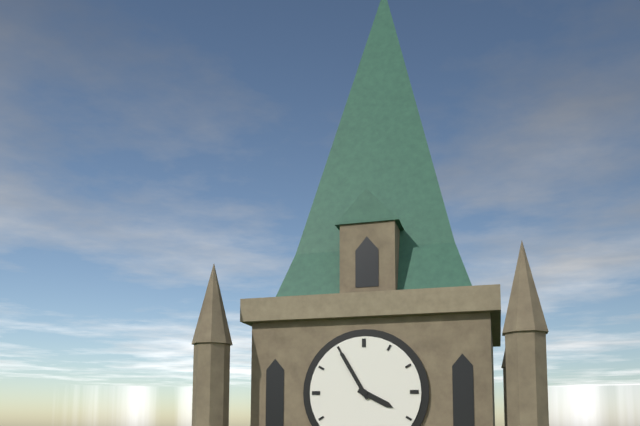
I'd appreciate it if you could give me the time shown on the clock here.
3:55
